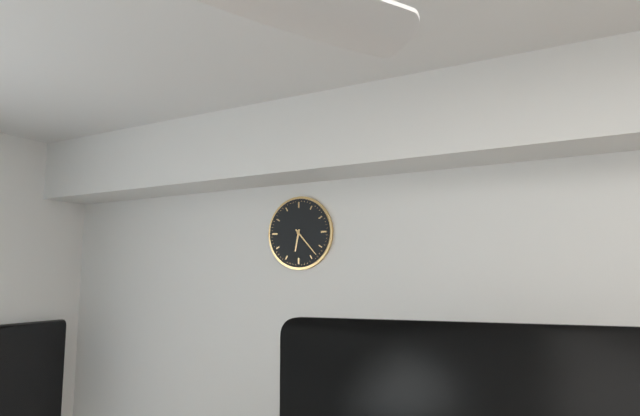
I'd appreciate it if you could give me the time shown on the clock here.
6:23
